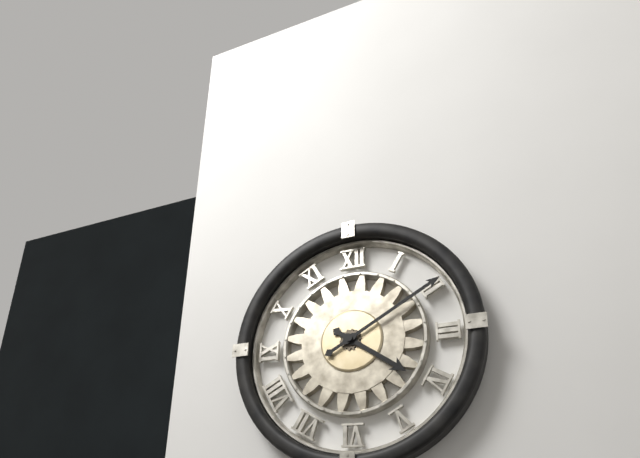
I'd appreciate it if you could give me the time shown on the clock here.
4:10
